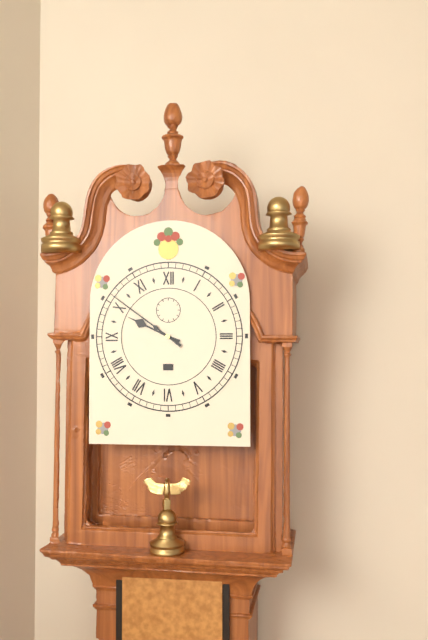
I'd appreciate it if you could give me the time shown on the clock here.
9:51
